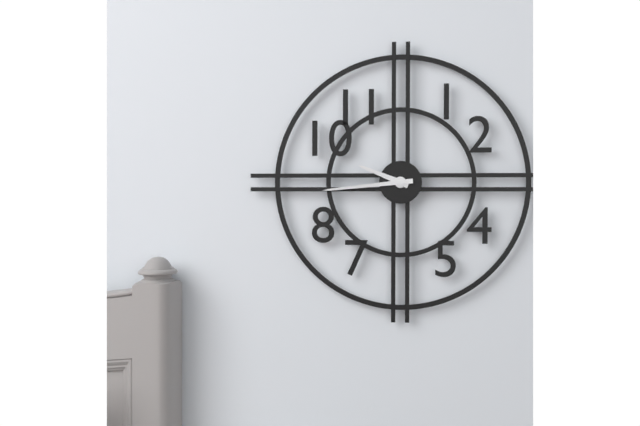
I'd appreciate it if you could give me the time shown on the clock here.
9:44
